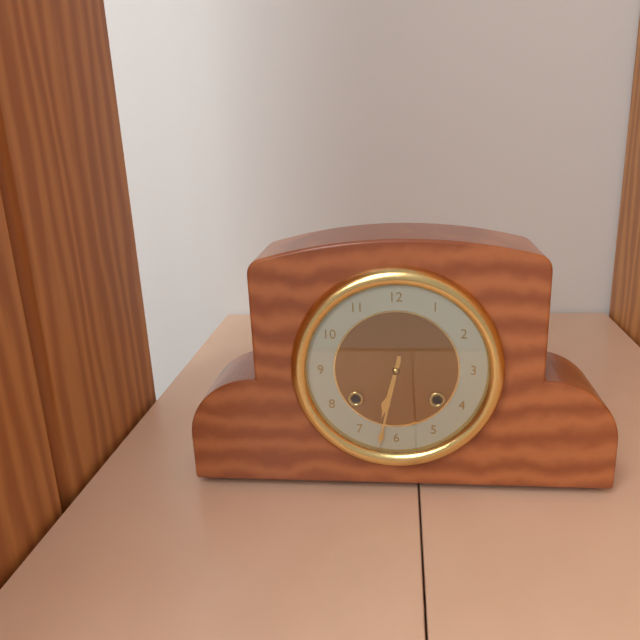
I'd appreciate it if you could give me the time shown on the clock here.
6:32
